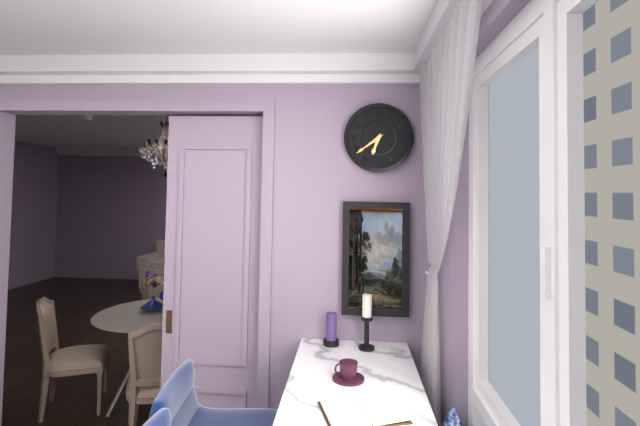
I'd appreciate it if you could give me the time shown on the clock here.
6:39
